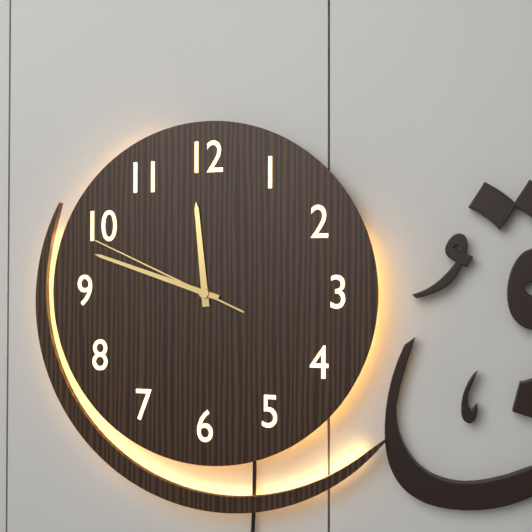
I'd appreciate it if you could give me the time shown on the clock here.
11:48:49
